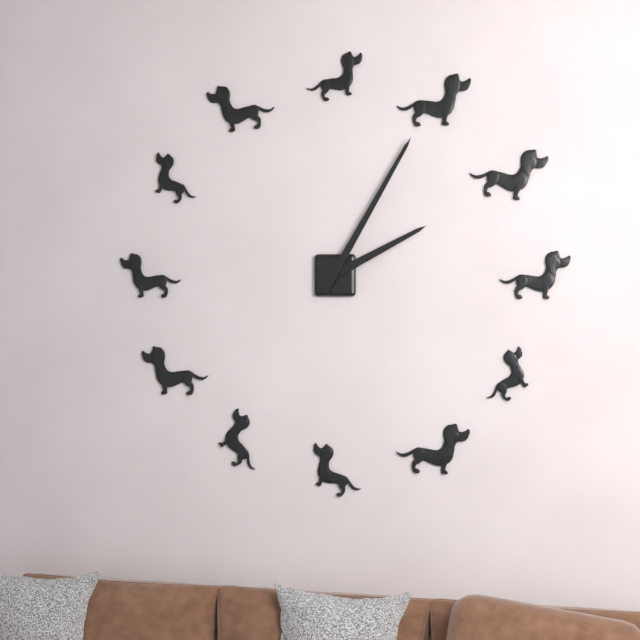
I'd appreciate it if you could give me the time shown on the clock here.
2:05
